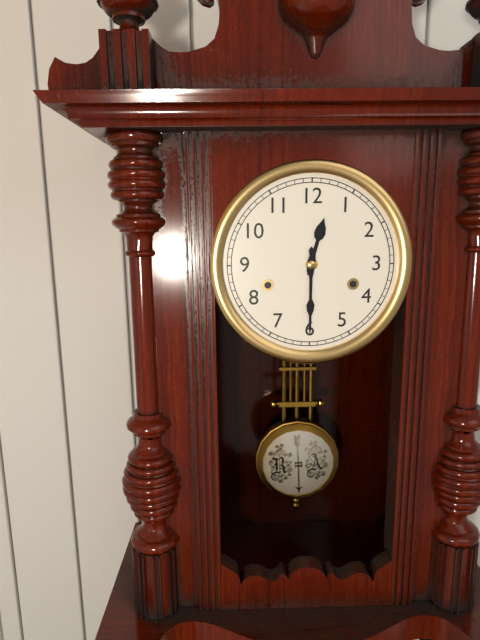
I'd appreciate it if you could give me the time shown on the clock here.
12:30
